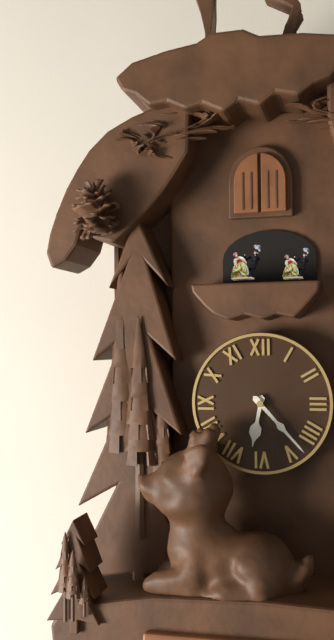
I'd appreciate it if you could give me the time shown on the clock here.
6:23
